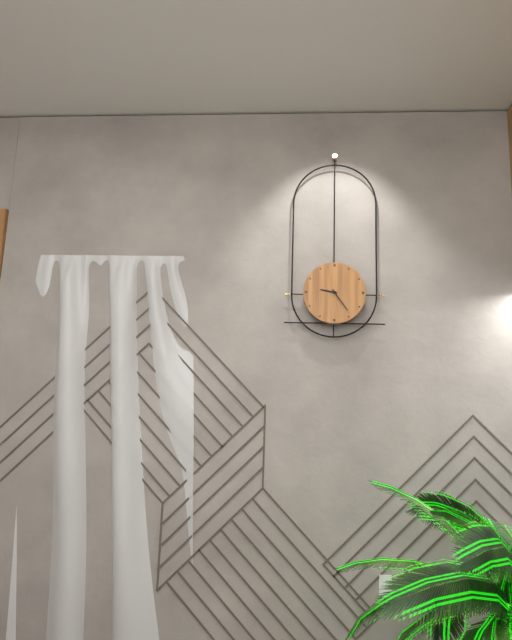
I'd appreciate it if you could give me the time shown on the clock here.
9:24
